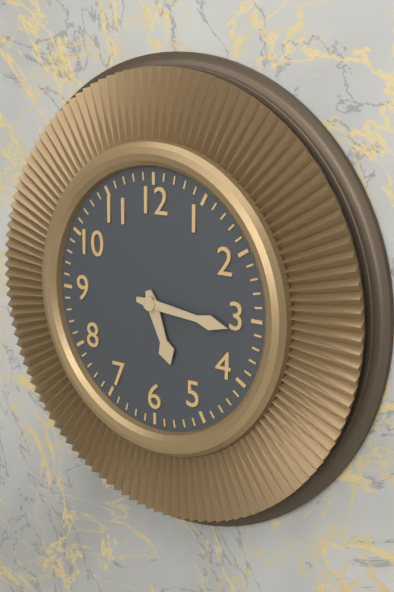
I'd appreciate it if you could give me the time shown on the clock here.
5:16
